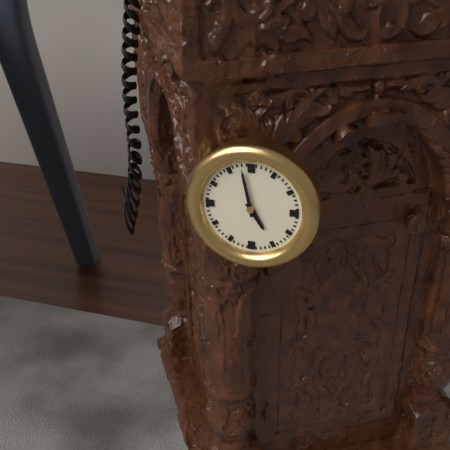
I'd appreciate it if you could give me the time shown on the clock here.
4:58
